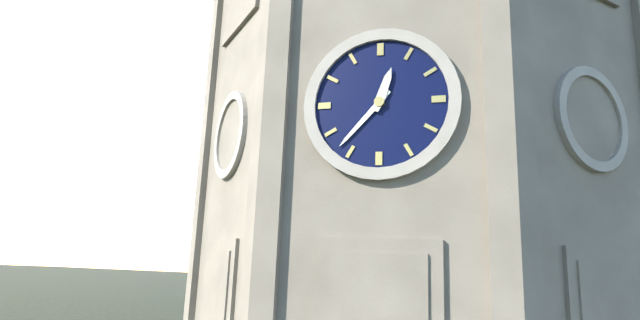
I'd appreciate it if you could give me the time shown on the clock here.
12:37
